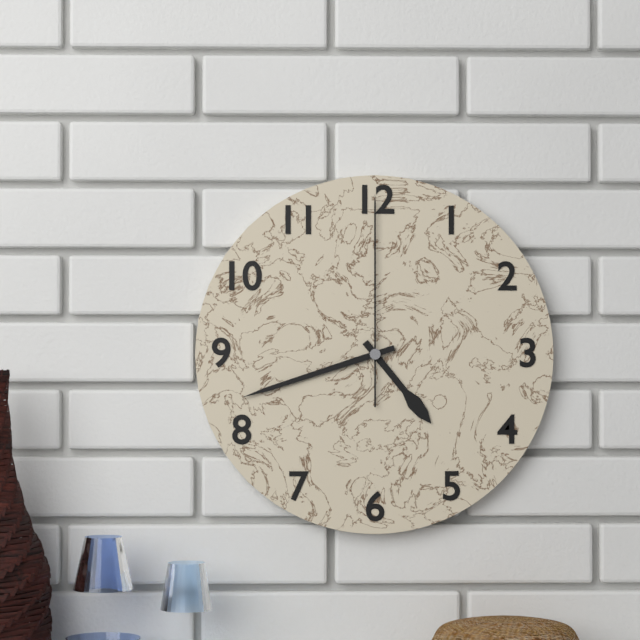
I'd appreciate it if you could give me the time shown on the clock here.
4:42:00
